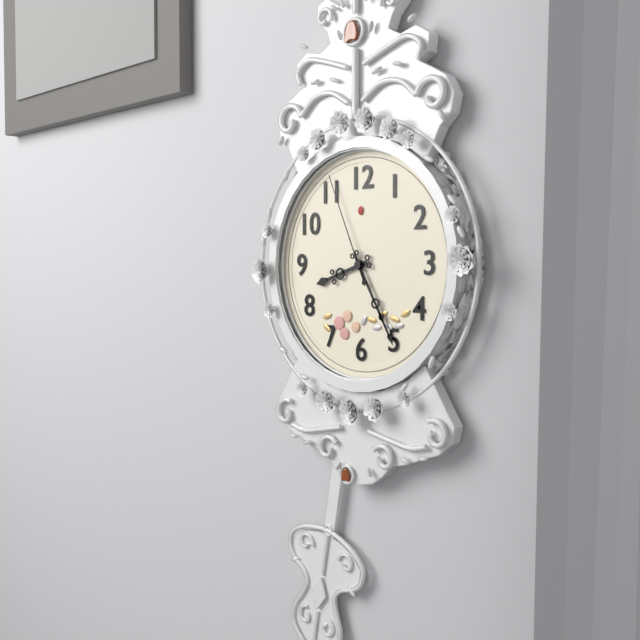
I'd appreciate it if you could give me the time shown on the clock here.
8:25:56
